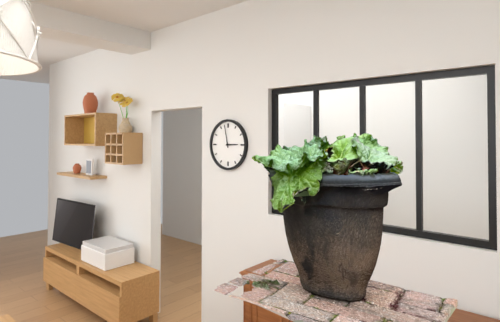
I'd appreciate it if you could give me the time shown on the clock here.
2:58
